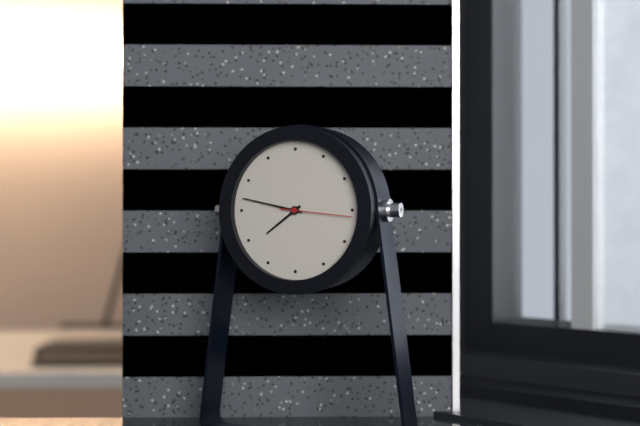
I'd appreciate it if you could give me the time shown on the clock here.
7:47:16
